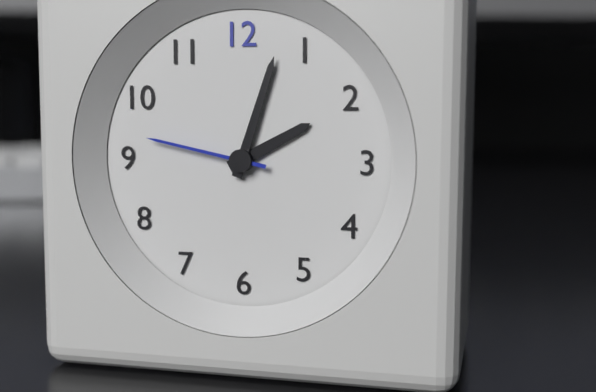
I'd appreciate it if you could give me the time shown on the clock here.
2:03:47
